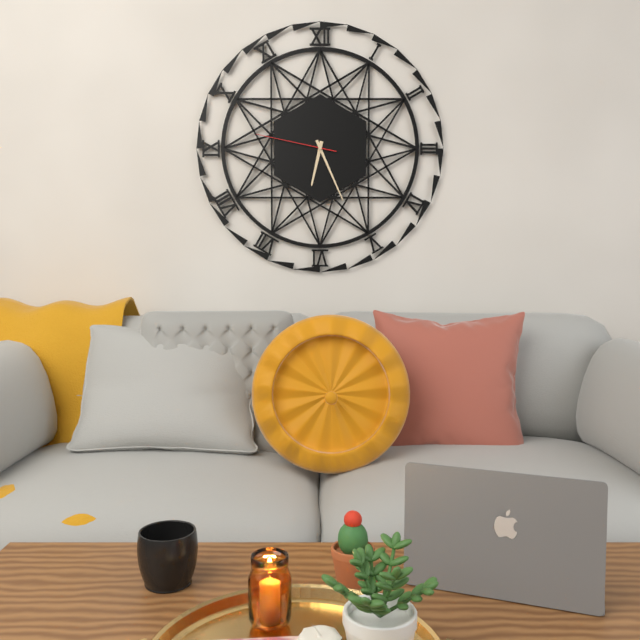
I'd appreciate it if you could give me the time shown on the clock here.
6:26:47
